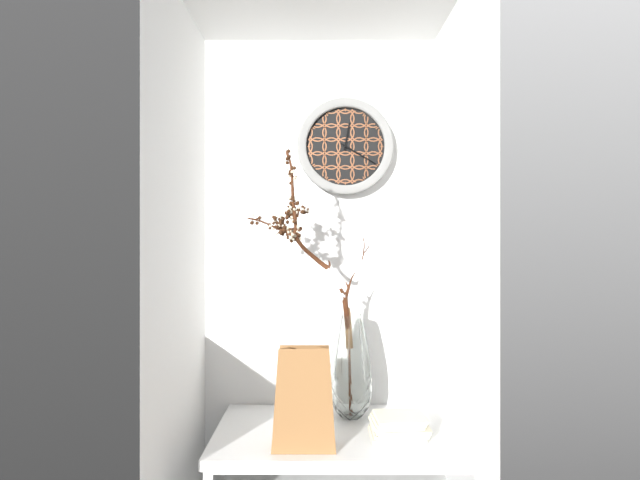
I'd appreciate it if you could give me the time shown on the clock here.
12:20
